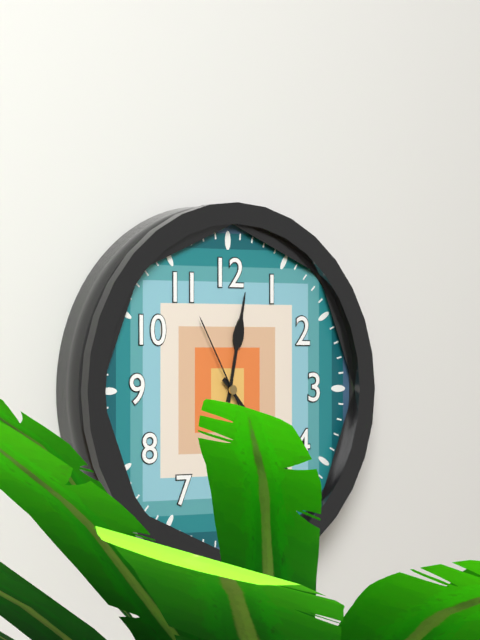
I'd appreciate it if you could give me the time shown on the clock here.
12:23:55
